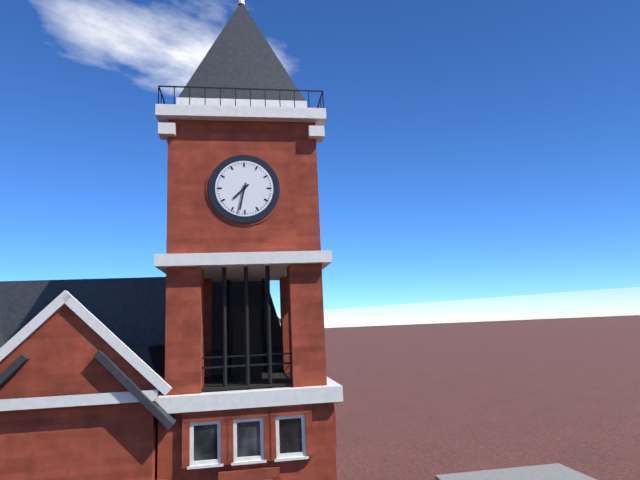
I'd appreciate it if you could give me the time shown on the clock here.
7:32
